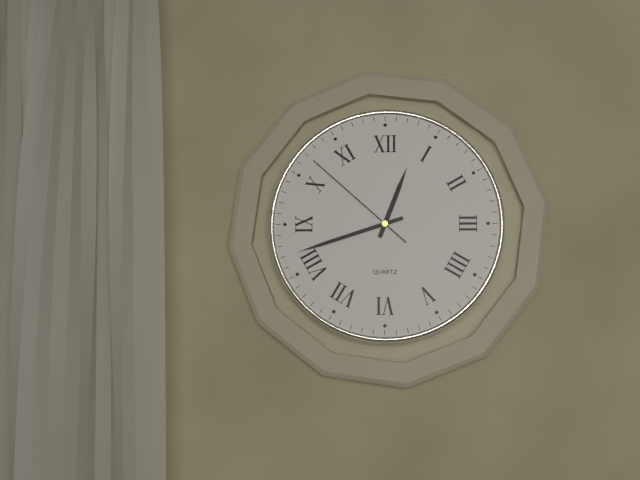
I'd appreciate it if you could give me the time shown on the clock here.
12:42:52
